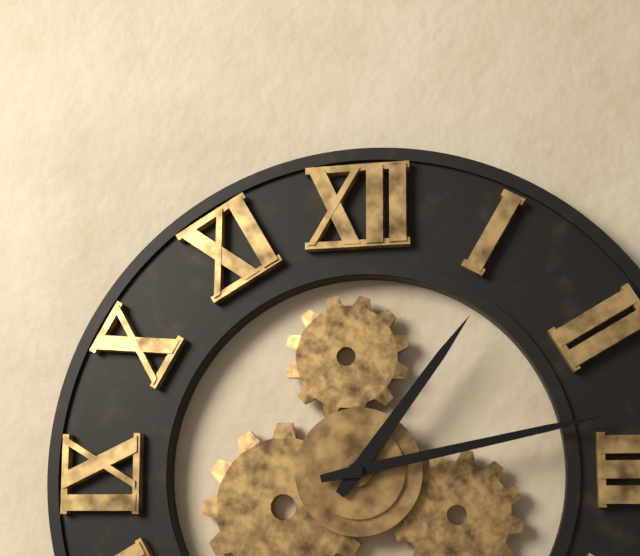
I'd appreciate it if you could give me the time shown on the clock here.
1:13
